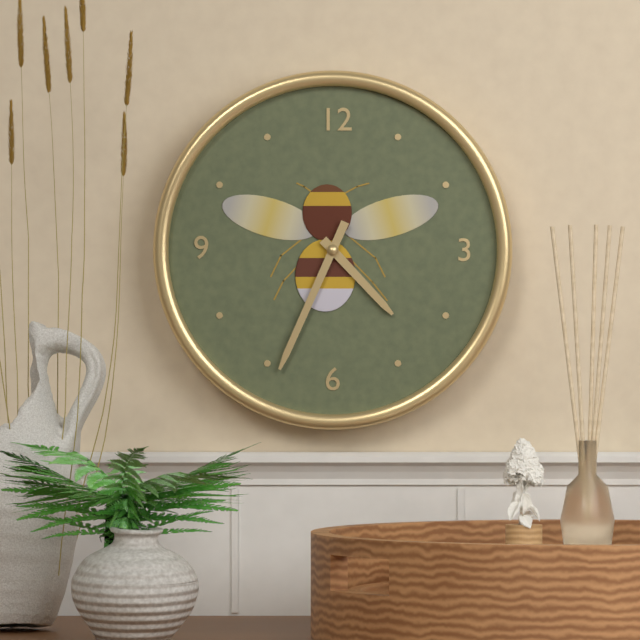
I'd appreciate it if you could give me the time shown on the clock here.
4:34
